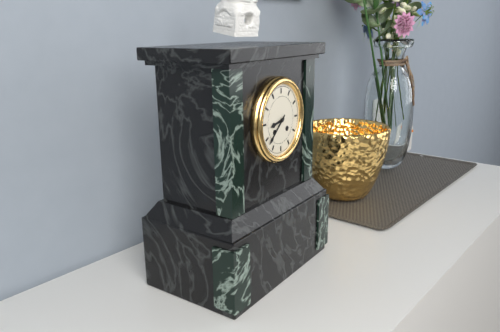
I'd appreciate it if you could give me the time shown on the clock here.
8:38
